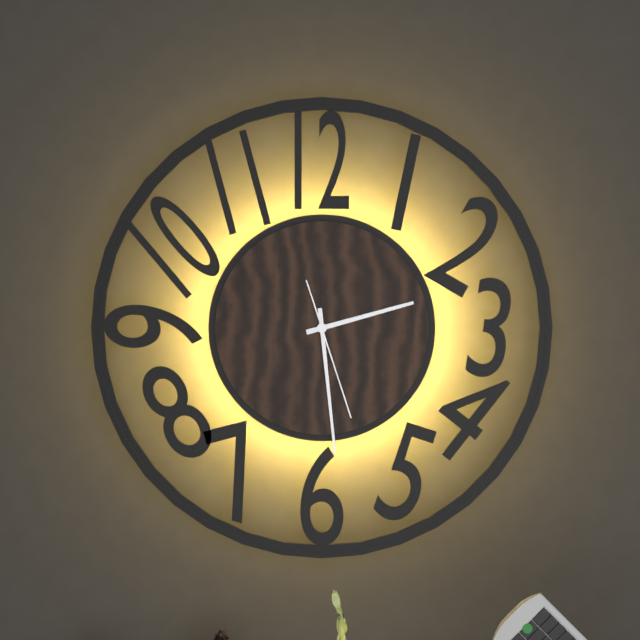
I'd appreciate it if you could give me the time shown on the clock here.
2:29:27
